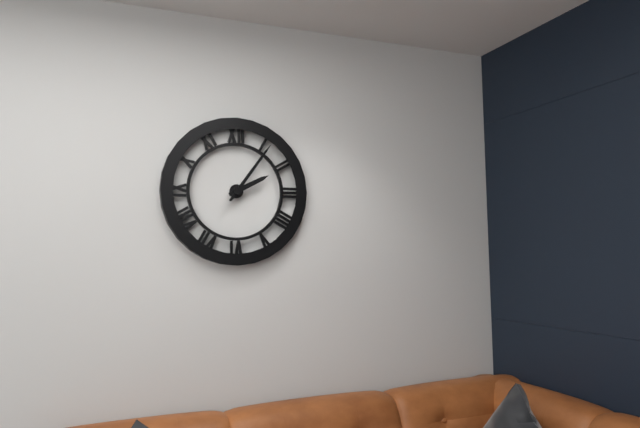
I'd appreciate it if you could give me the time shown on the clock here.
2:06
